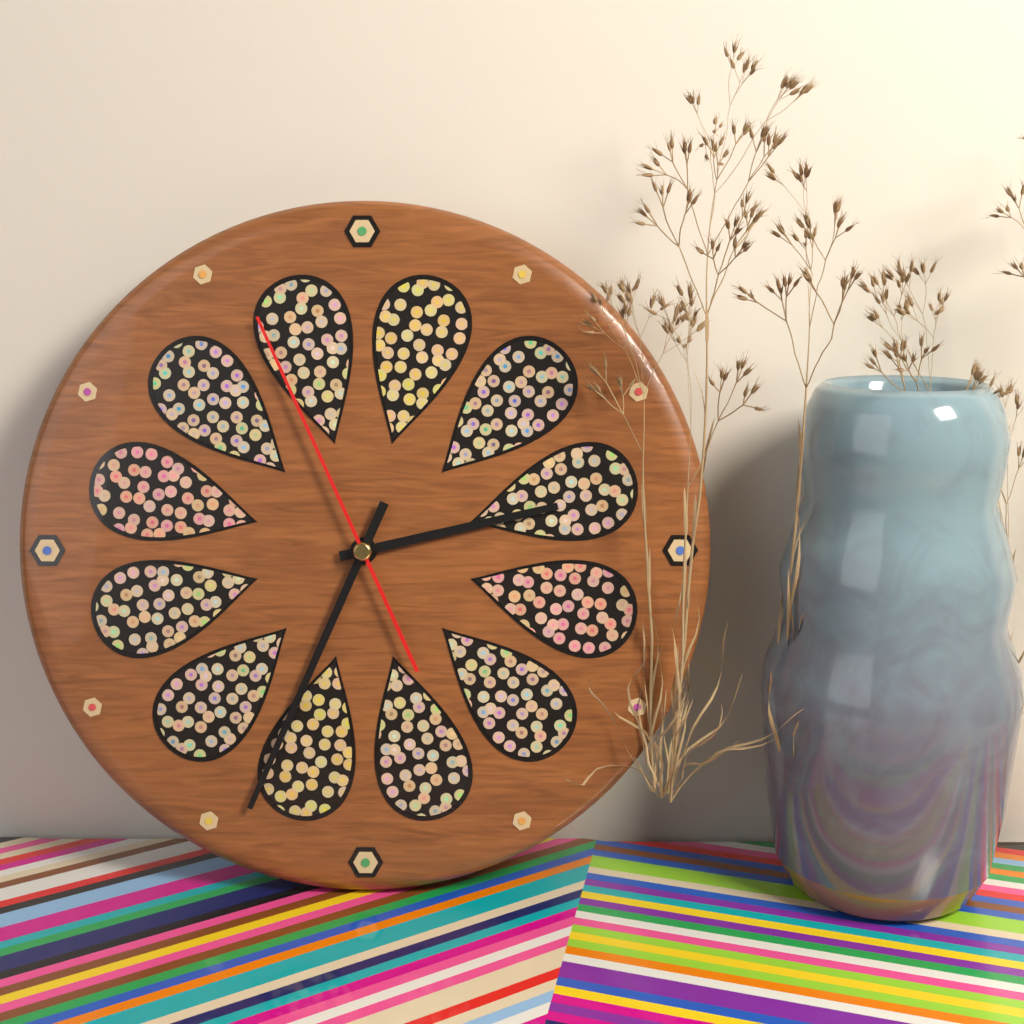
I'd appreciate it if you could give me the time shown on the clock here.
2:34:56
